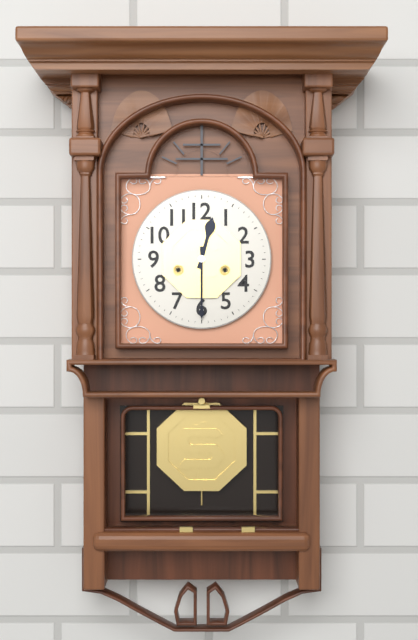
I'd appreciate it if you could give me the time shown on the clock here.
12:30
